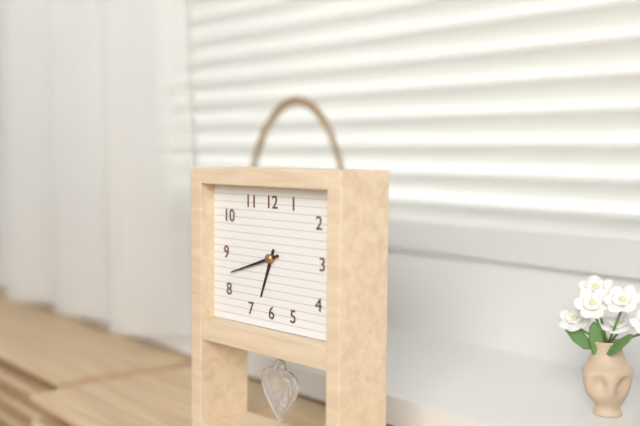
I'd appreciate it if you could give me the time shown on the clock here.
6:42
